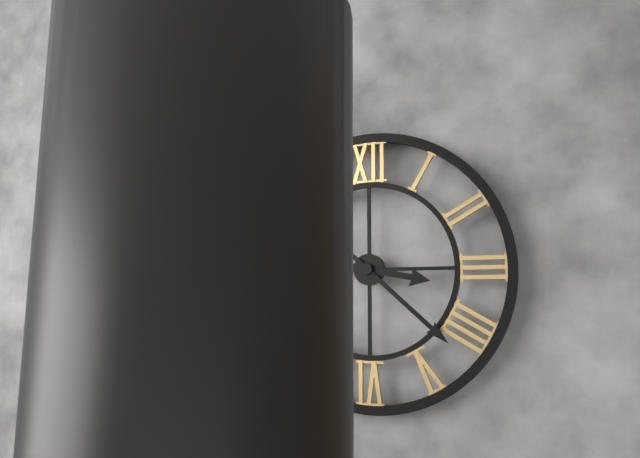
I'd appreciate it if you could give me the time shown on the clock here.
3:22
